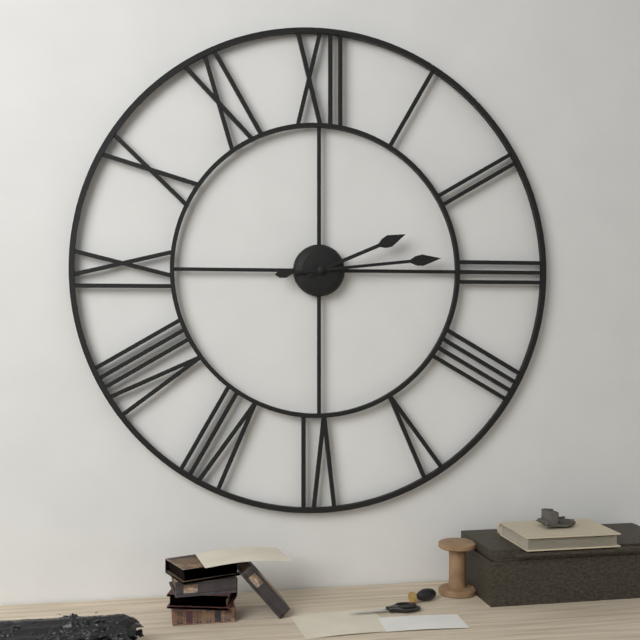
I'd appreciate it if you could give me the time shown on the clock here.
2:14
